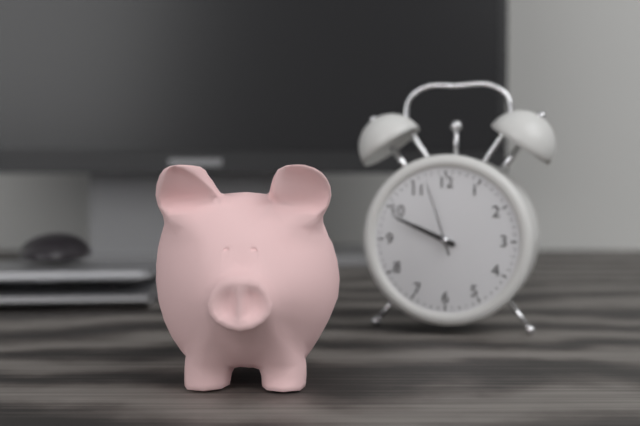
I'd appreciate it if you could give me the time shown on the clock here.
9:49:57
